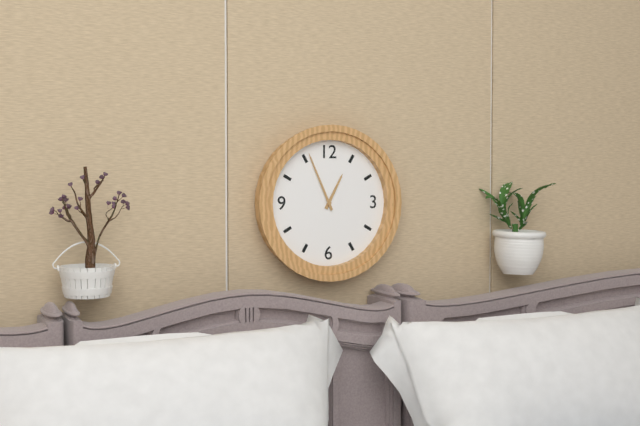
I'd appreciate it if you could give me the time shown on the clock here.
12:56
